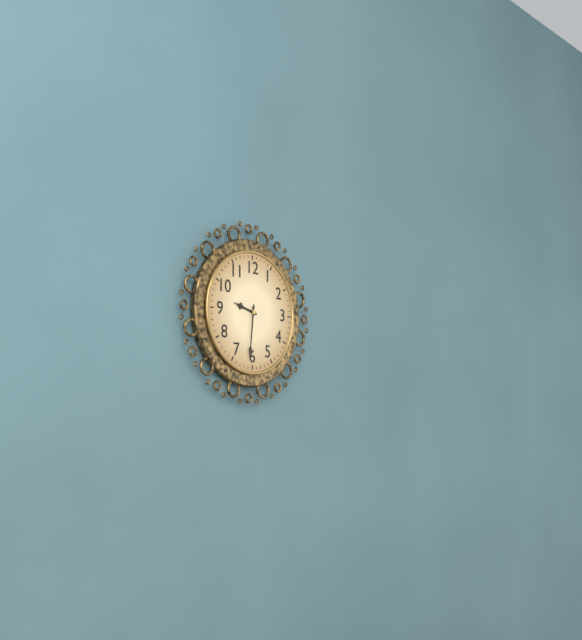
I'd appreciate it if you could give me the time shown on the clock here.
9:31
